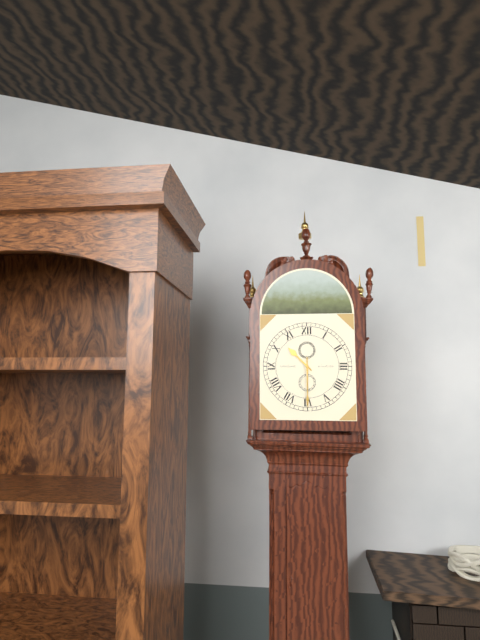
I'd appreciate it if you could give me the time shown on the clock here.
10:30
